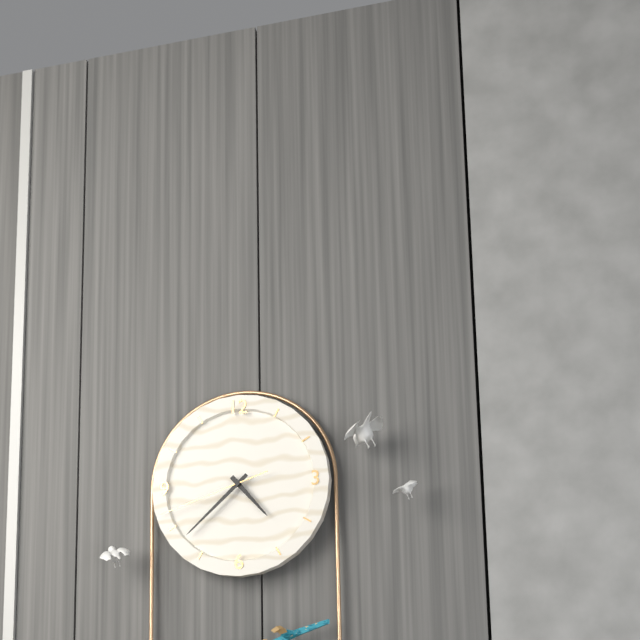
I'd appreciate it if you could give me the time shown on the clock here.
4:38:42
